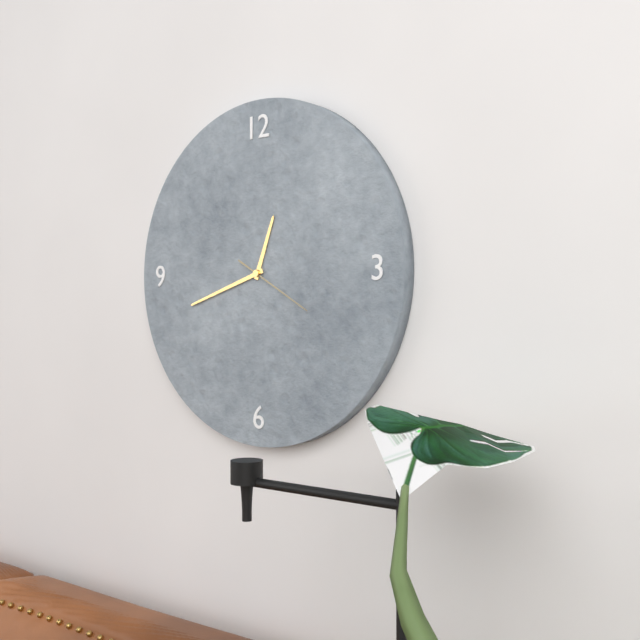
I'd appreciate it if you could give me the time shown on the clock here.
12:42:20
